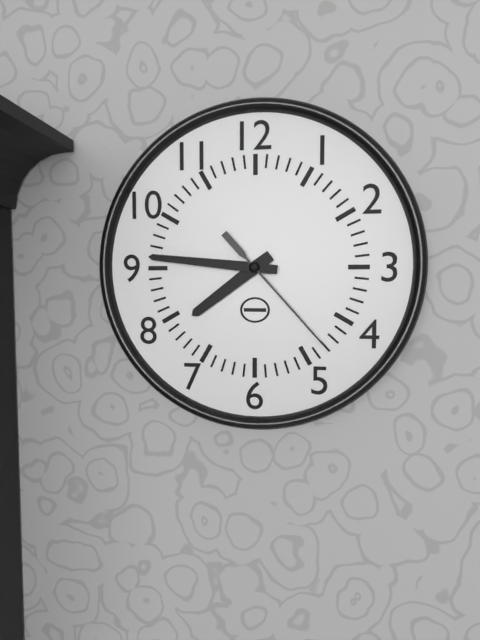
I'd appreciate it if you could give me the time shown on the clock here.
7:46:23
